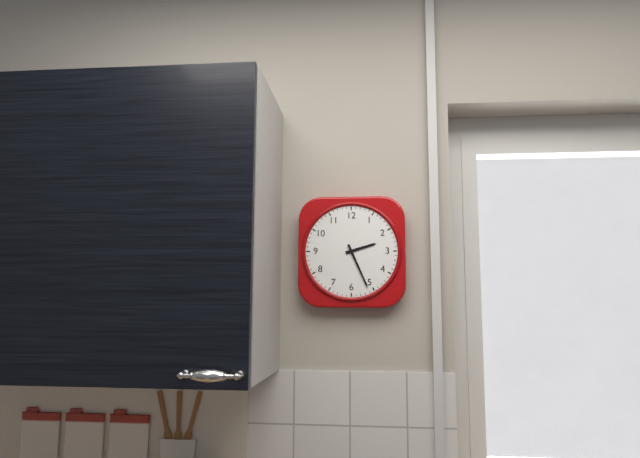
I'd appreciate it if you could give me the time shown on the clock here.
2:26
